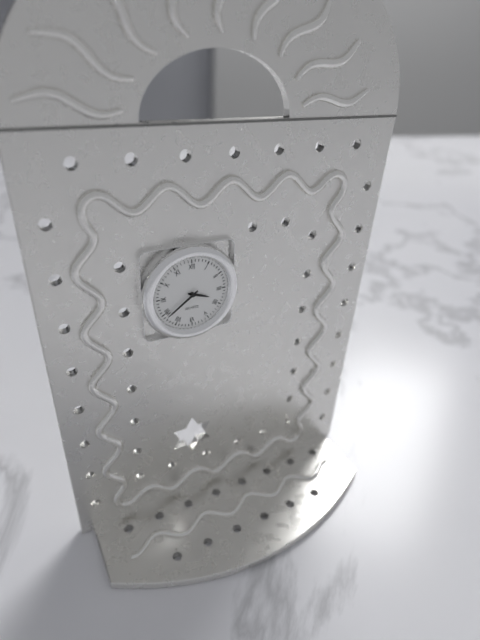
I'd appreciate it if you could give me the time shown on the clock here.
3:39
